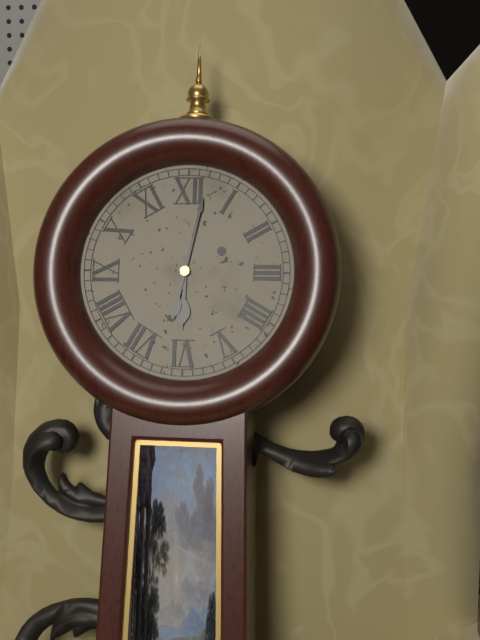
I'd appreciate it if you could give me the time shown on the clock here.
6:02
